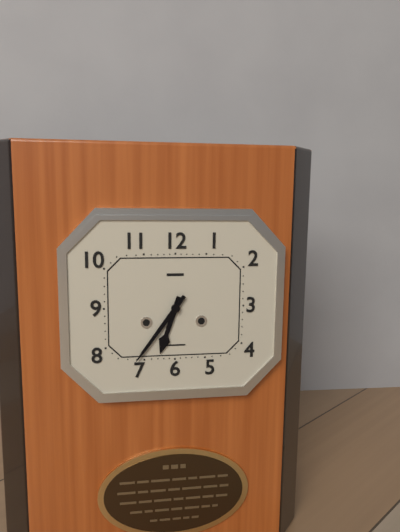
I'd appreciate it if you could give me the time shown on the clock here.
6:36
